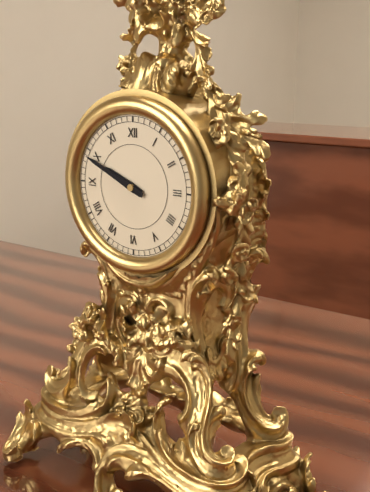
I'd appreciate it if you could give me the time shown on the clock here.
9:49
